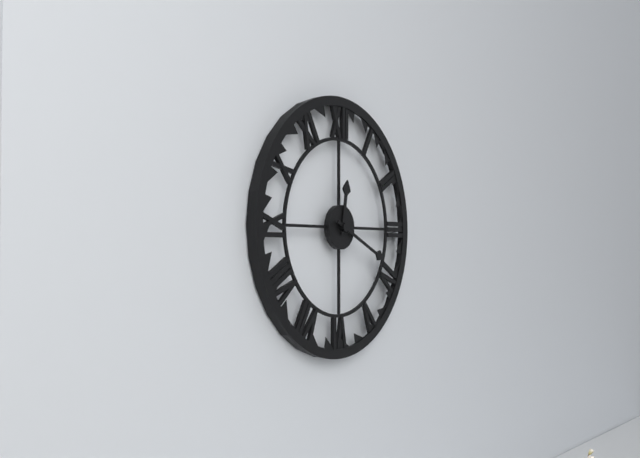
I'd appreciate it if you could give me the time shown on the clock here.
12:19
